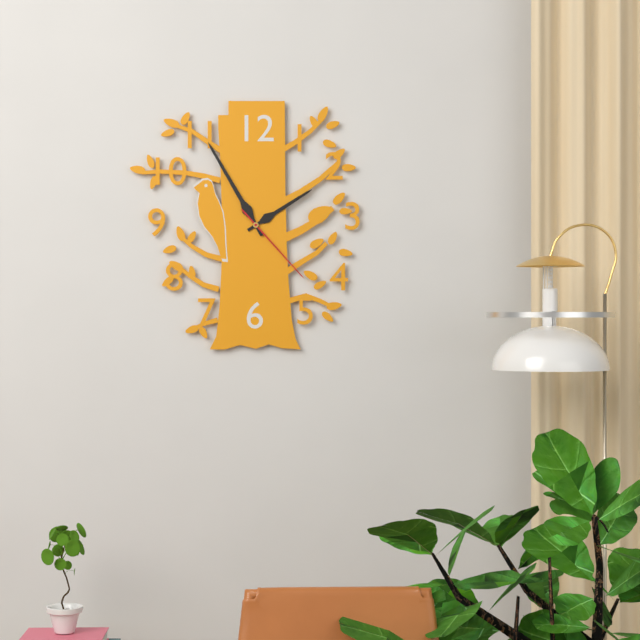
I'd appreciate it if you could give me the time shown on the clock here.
1:55:23
